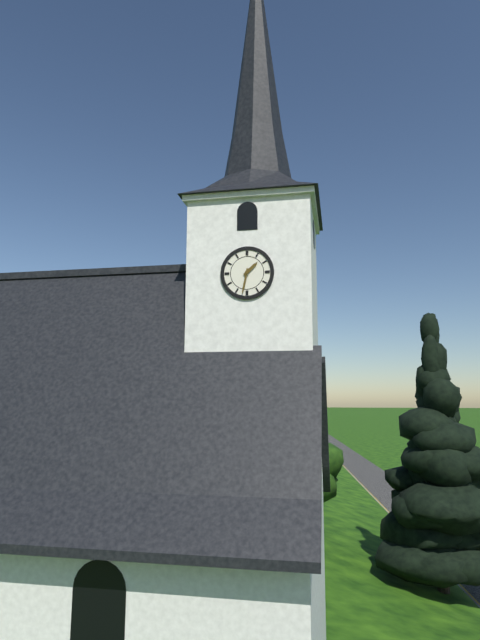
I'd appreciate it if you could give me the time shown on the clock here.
1:32
